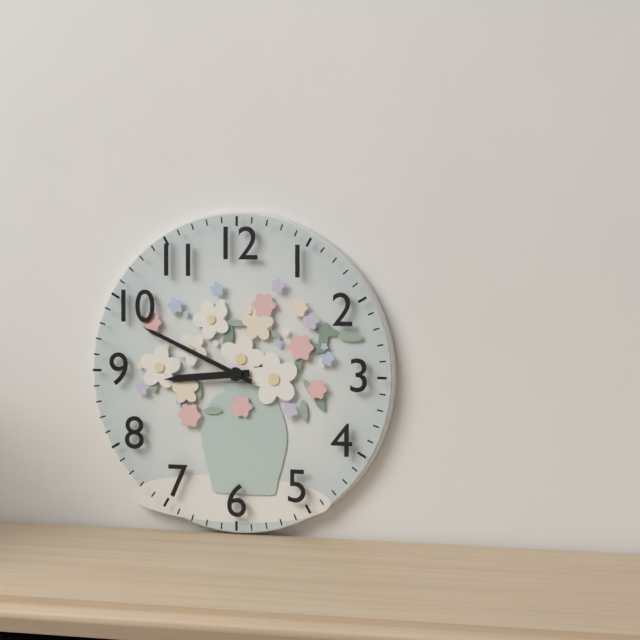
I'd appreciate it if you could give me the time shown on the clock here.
8:49
